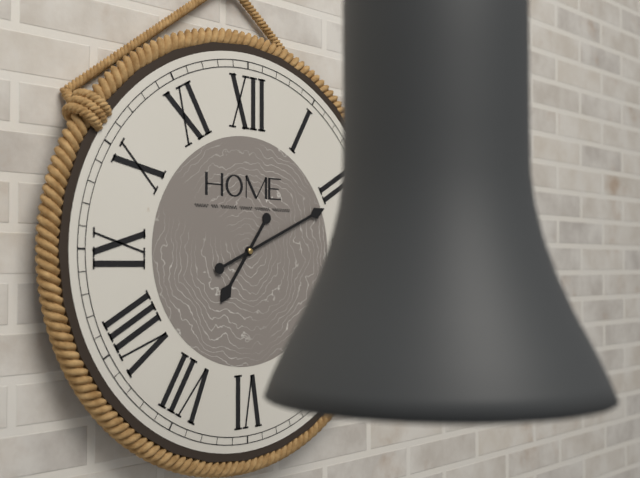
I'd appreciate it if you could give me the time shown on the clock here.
7:11
